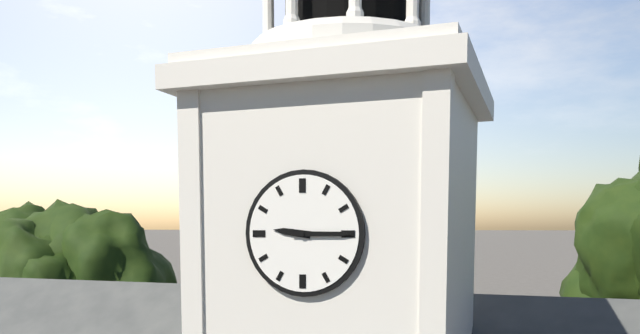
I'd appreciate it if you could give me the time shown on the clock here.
9:15
